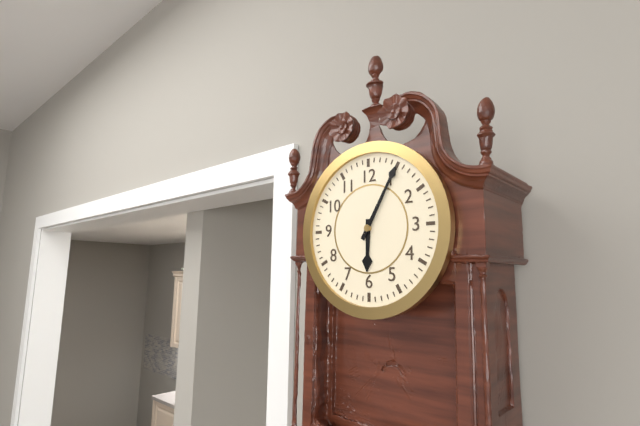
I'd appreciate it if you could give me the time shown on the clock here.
6:05
